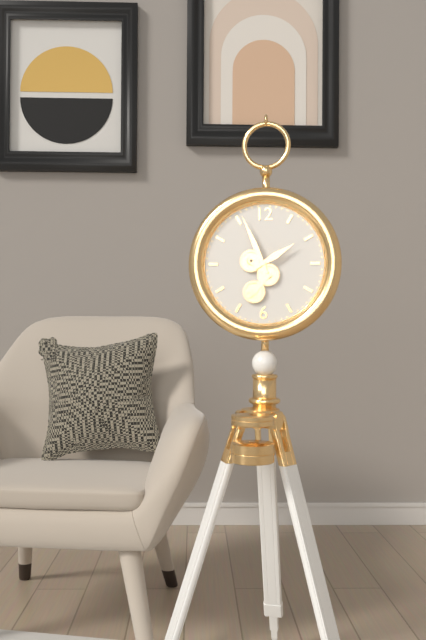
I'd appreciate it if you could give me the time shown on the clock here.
1:56
